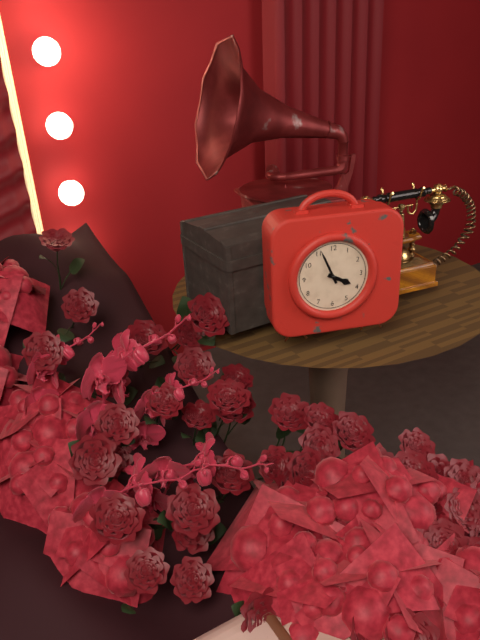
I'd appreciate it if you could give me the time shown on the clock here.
3:56
